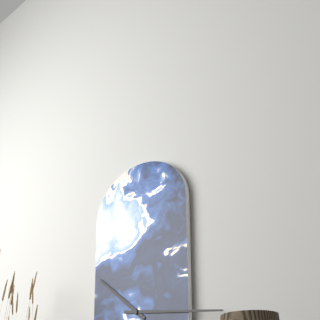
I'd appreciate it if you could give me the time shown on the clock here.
10:16
